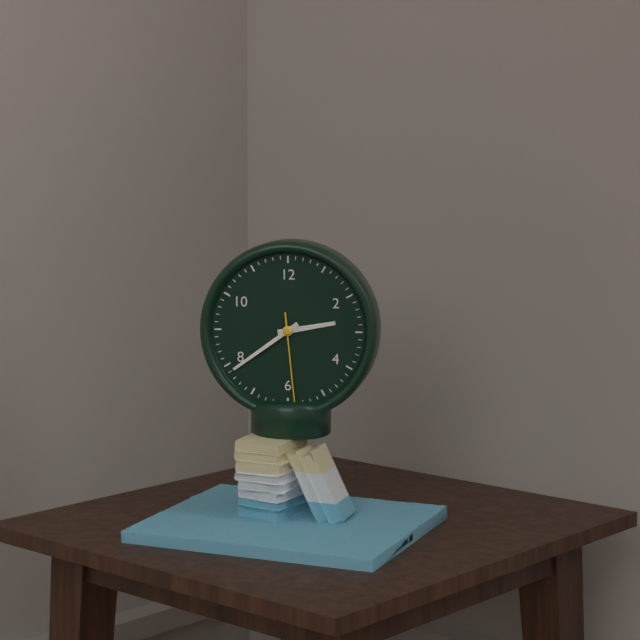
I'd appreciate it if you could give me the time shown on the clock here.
2:39:29
